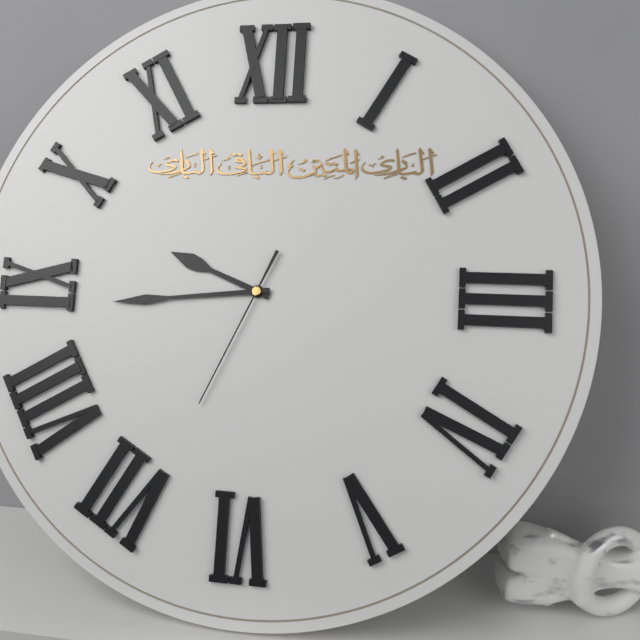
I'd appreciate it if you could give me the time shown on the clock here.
9:44:34
